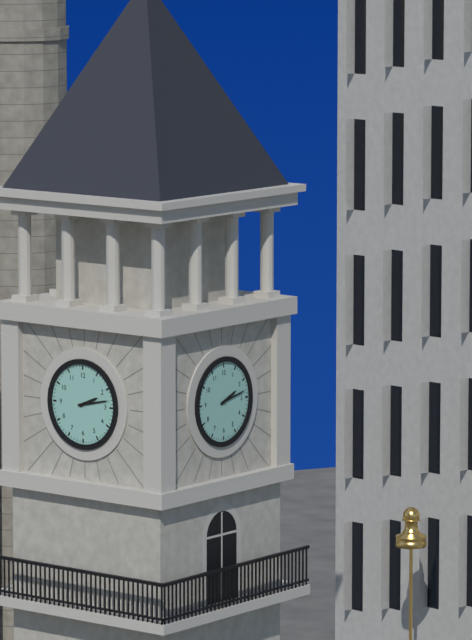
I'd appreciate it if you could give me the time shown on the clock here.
2:13
